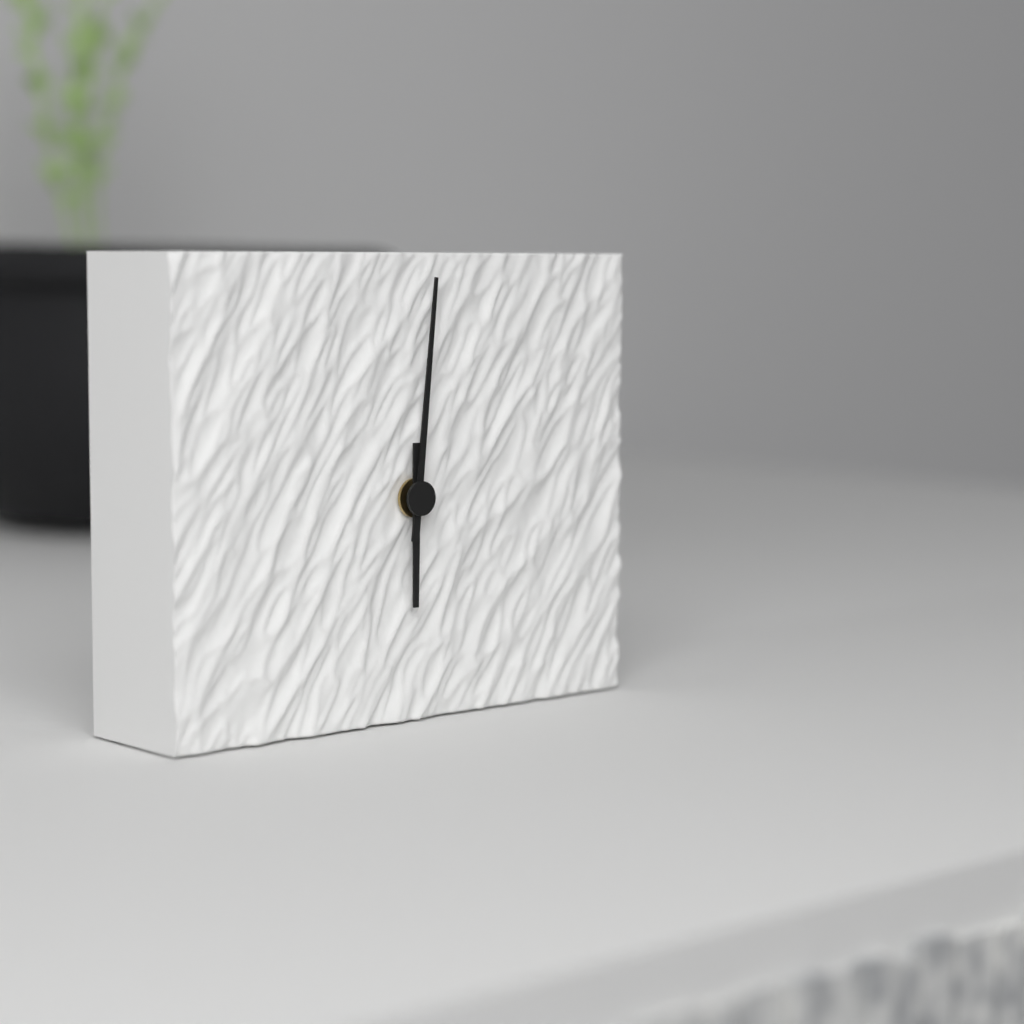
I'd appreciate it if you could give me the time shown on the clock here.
6:01
